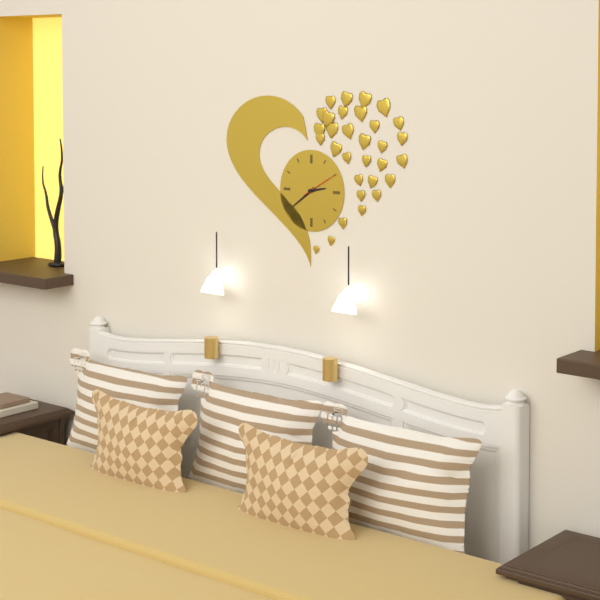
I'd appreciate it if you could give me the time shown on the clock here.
2:39
